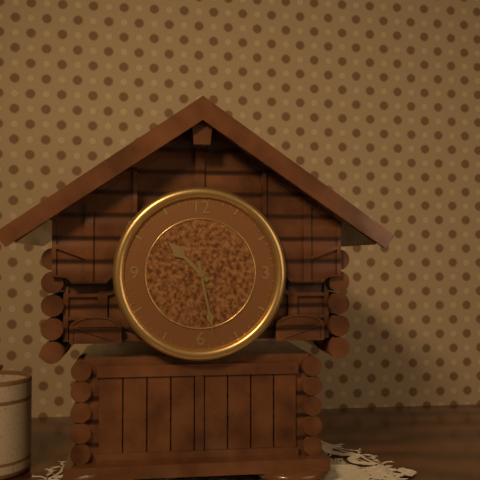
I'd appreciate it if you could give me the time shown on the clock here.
10:28
